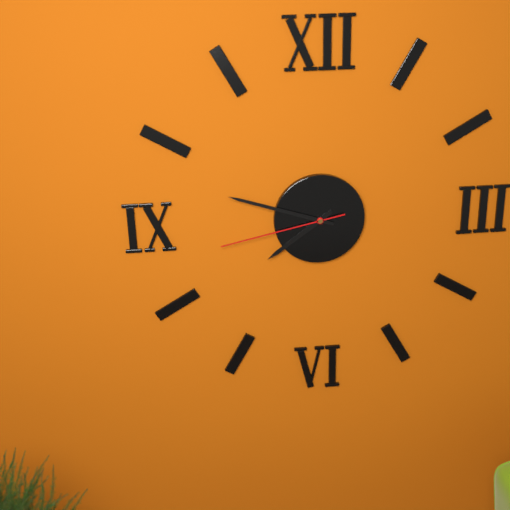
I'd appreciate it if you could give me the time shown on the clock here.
7:48:43
